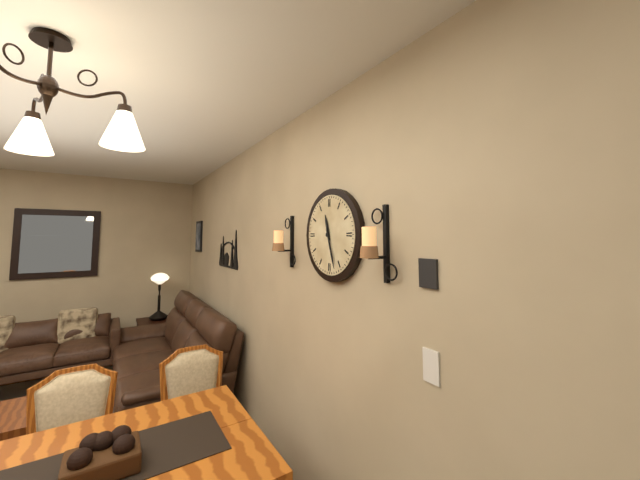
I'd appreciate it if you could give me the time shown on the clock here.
11:27
